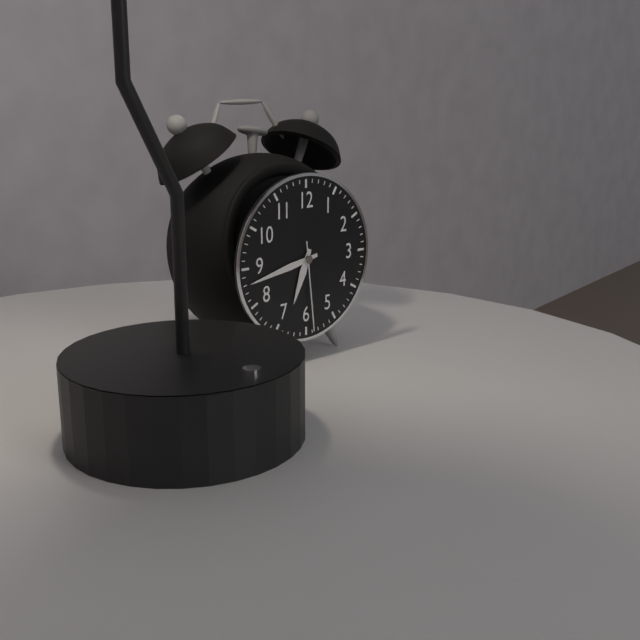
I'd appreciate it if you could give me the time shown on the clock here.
6:43:29
